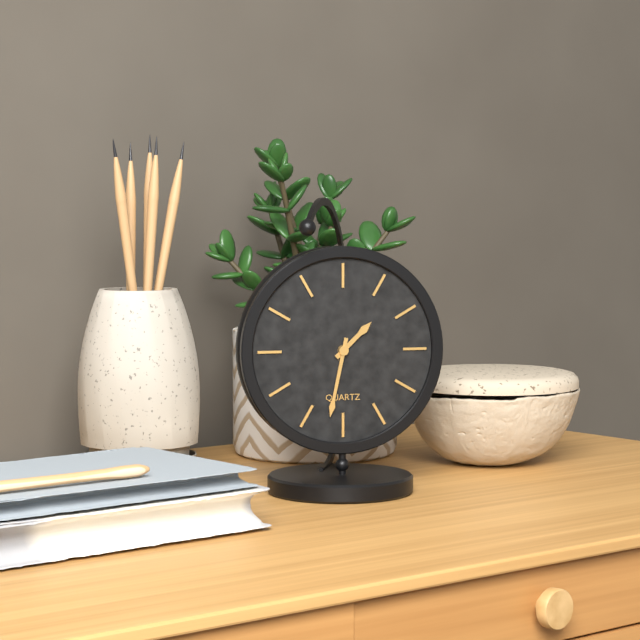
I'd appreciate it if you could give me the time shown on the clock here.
1:32
